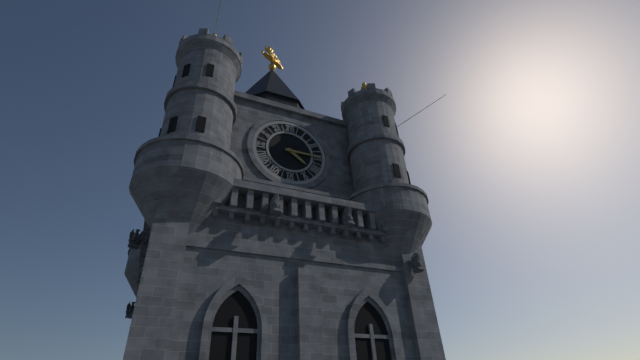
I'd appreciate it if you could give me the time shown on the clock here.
4:15
